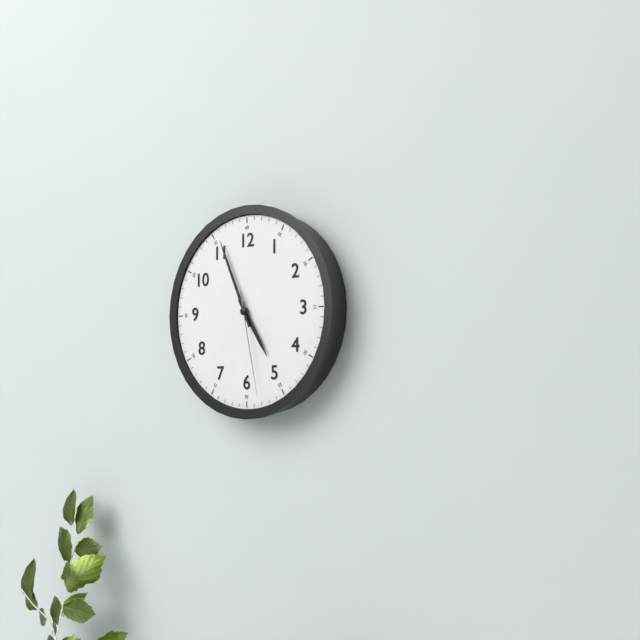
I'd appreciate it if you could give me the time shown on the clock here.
4:56:28
